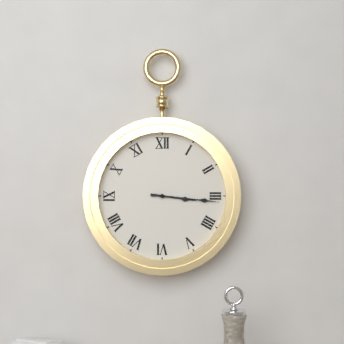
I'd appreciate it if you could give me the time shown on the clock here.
3:16
